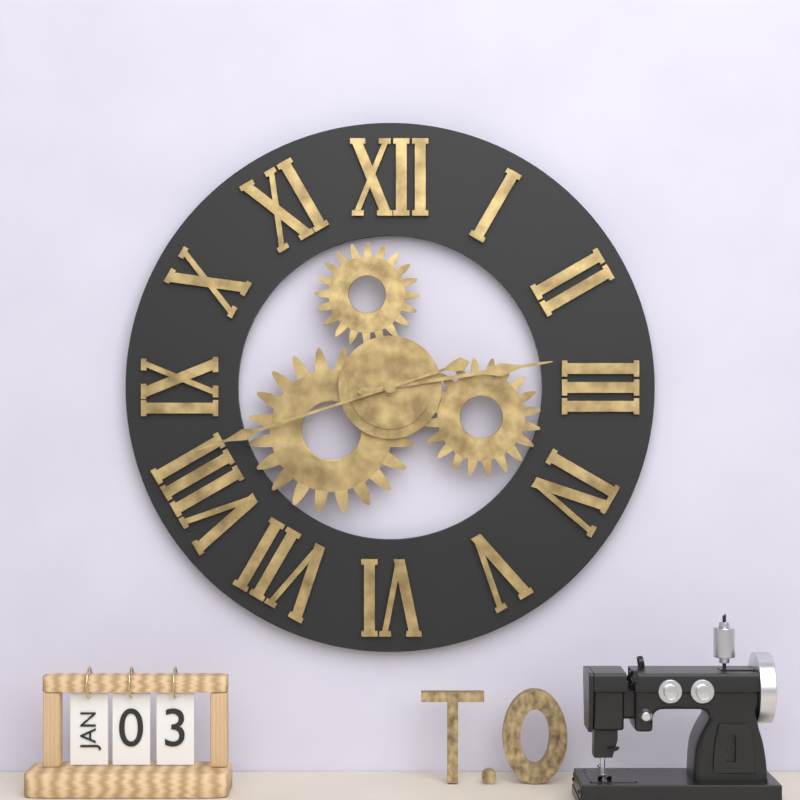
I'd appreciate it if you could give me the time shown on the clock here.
2:42
